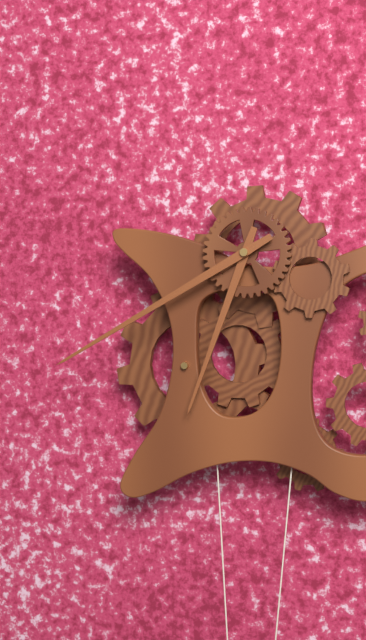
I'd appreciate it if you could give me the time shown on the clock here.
6:40
